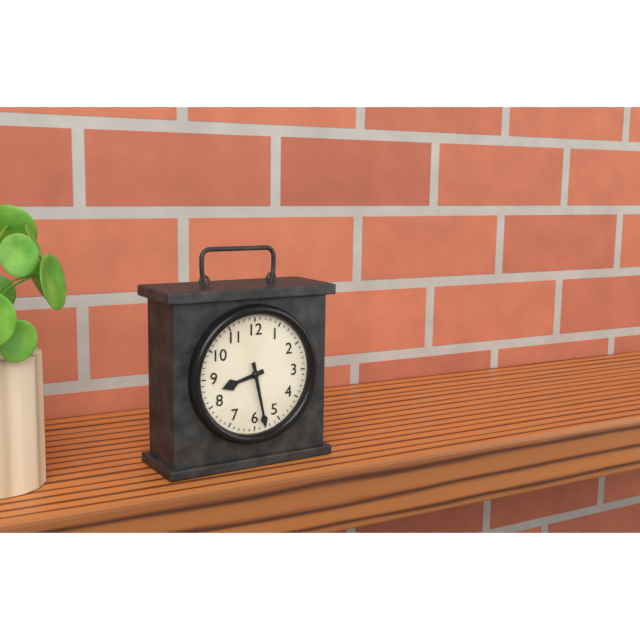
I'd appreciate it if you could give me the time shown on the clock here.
8:28
